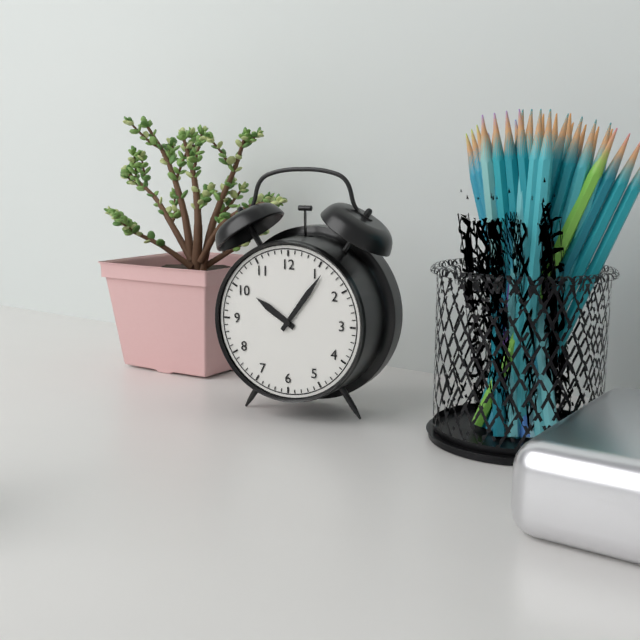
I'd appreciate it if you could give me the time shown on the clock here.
10:06
